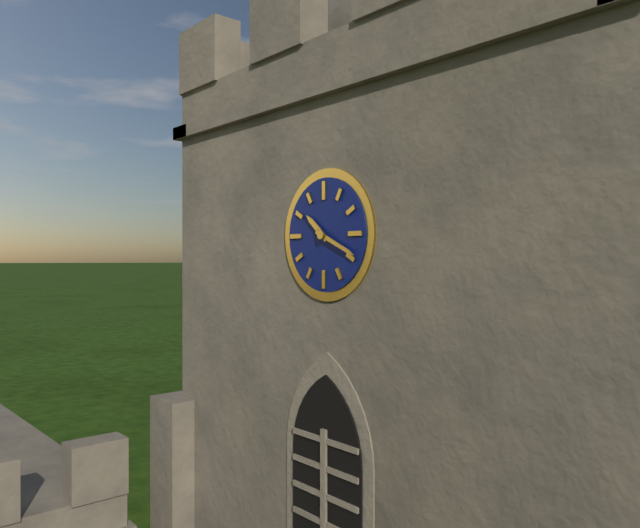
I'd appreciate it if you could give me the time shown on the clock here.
10:19
